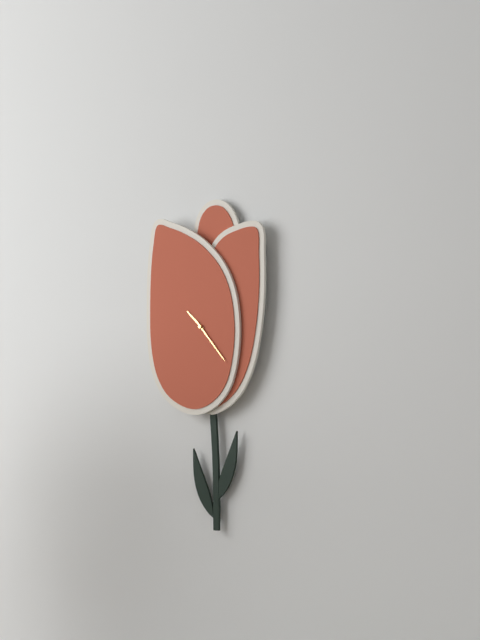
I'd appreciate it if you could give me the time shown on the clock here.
10:23
